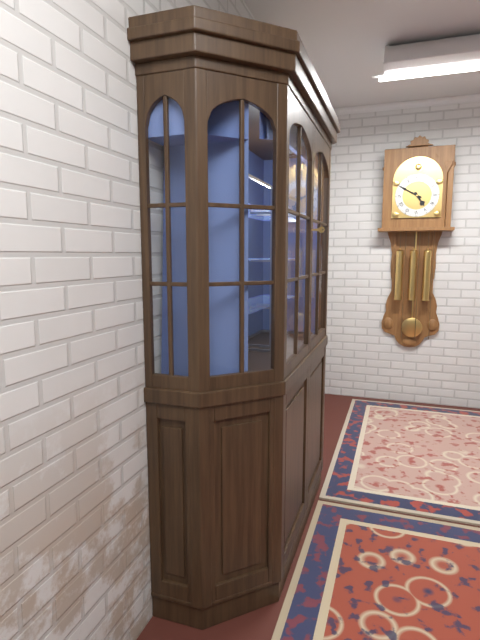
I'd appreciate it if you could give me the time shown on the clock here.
4:50
